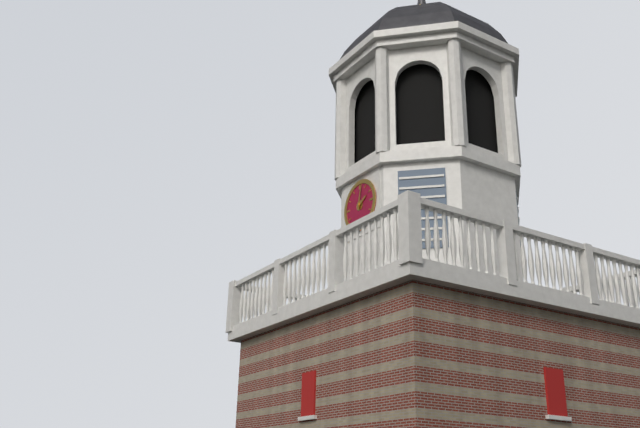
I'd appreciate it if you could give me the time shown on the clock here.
2:02
